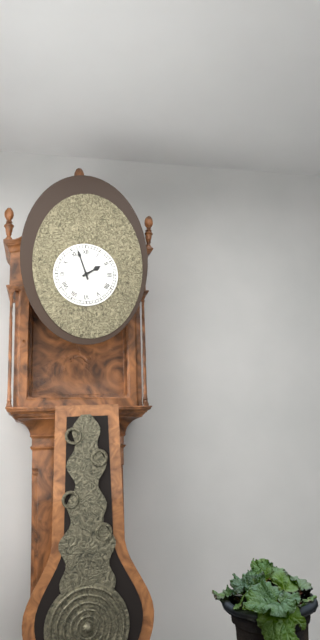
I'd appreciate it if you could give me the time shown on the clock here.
1:57
